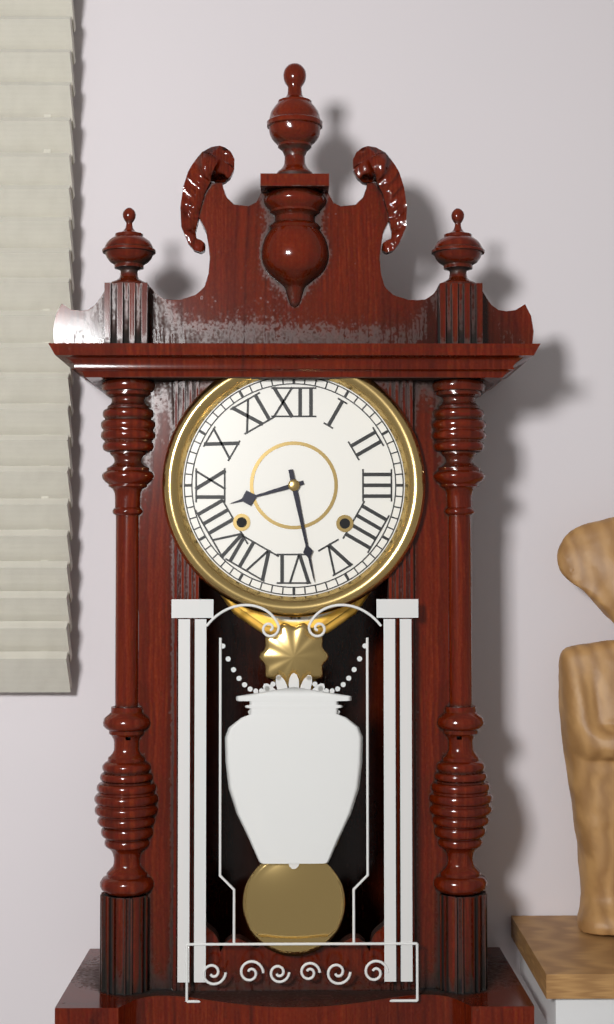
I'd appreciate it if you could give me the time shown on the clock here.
8:28
